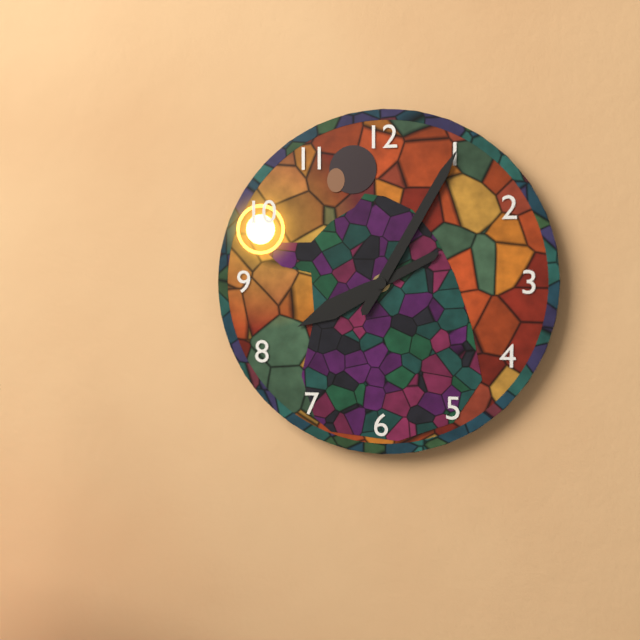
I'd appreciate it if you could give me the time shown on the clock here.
8:05
